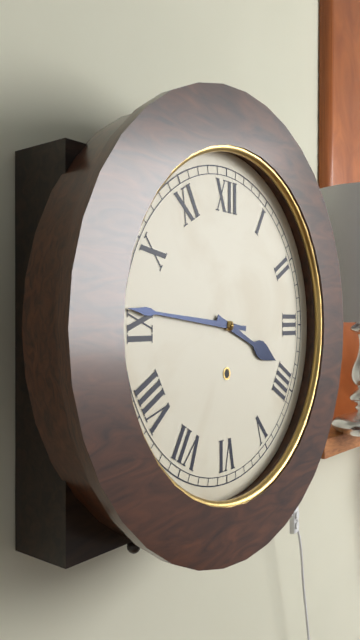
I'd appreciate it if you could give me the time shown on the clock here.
3:46
